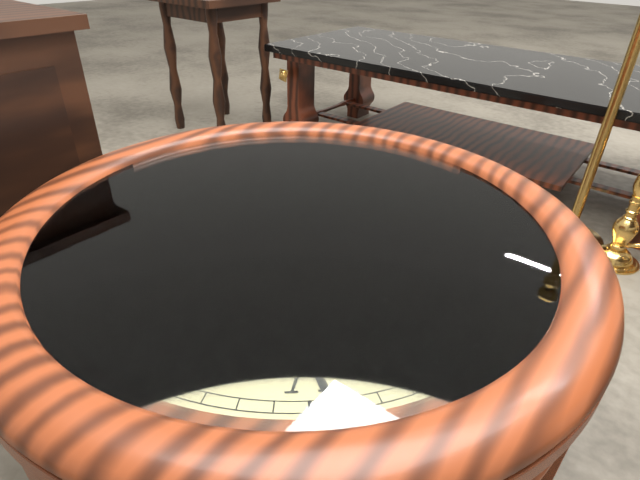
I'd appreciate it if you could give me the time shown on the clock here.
3:14:09
